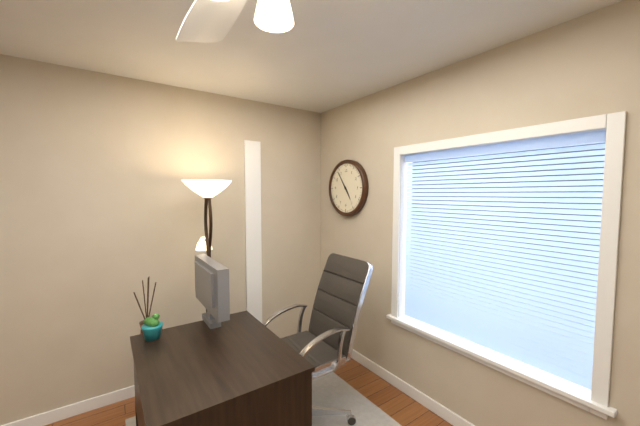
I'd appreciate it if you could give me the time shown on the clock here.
4:54
